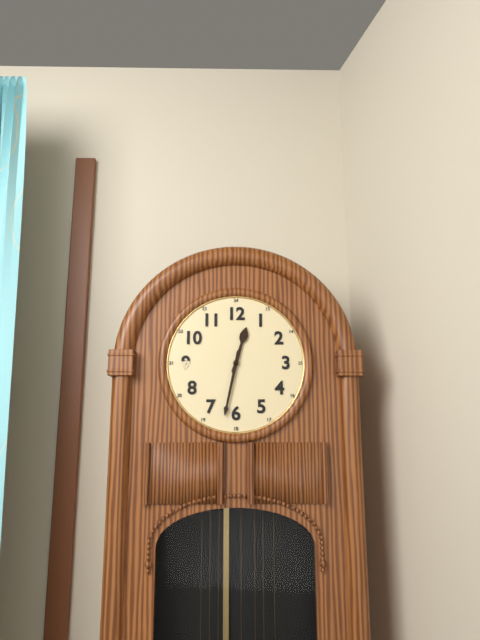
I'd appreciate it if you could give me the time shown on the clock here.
12:32
